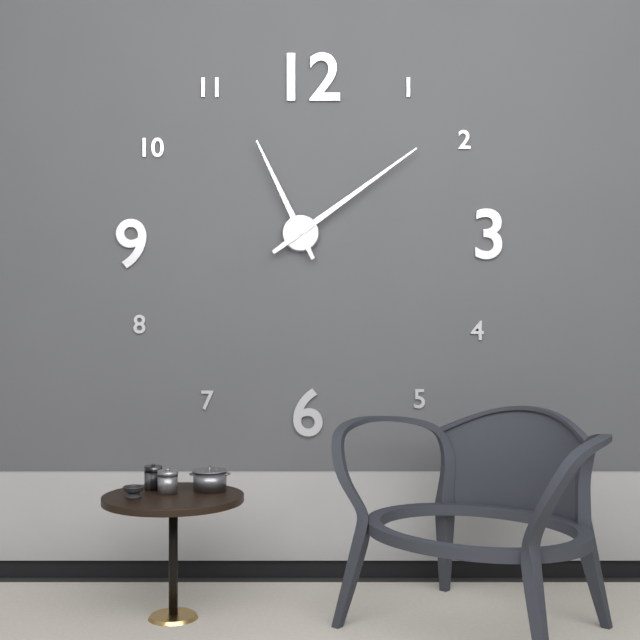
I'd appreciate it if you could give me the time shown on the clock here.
11:09
